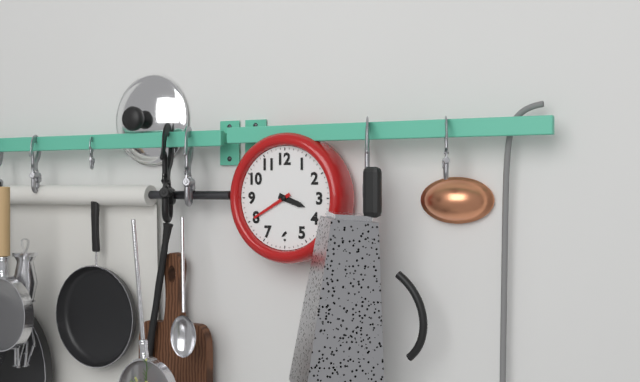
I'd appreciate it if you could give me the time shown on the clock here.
3:40
